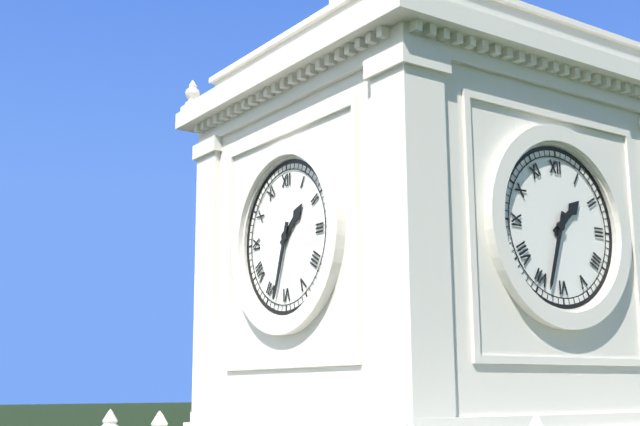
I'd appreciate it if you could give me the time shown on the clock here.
1:33
